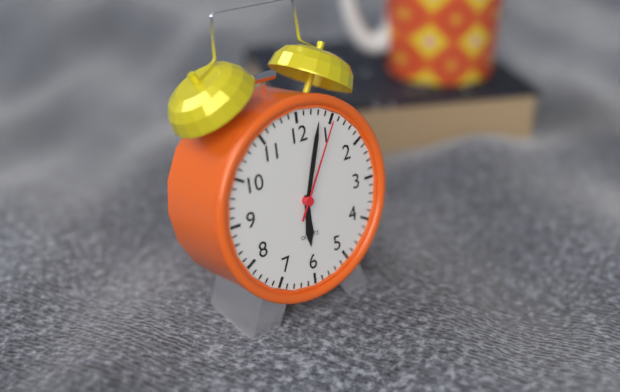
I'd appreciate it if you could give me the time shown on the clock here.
6:03:05
